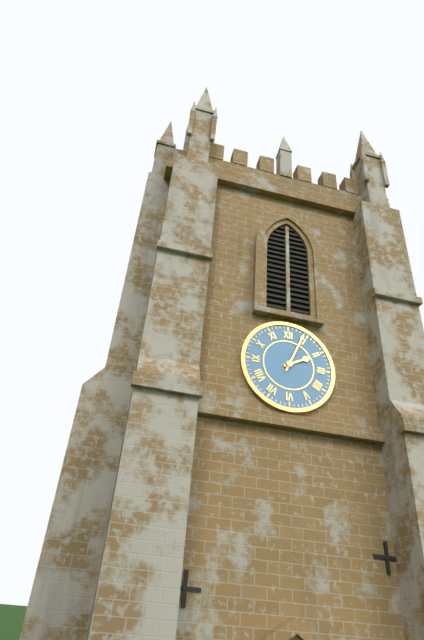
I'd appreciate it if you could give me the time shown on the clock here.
2:04
